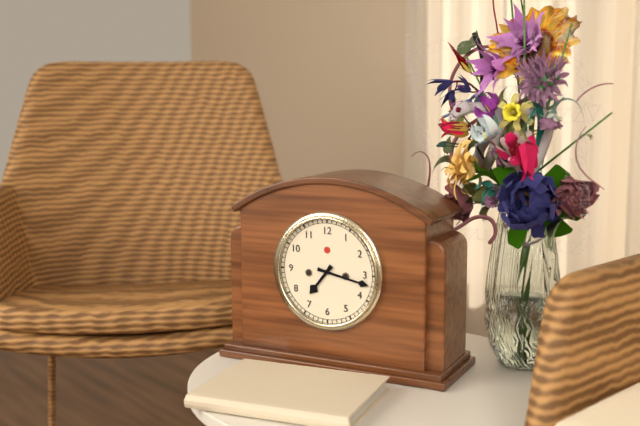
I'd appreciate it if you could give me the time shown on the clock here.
7:17
